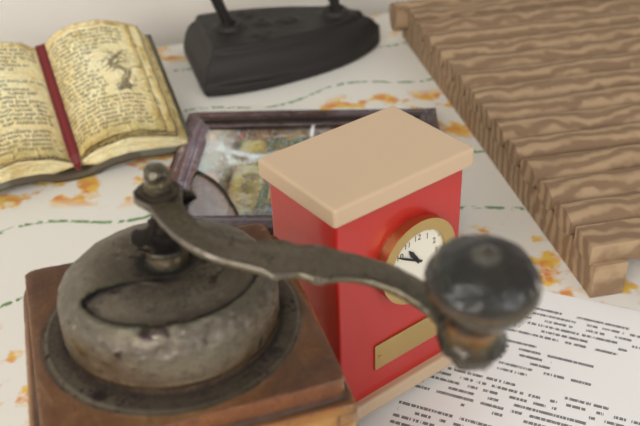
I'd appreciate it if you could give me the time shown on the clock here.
10:50
